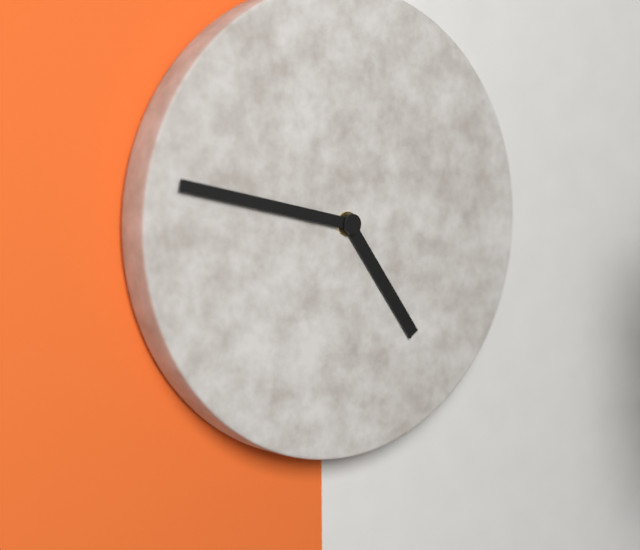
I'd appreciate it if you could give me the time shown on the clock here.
4:47
